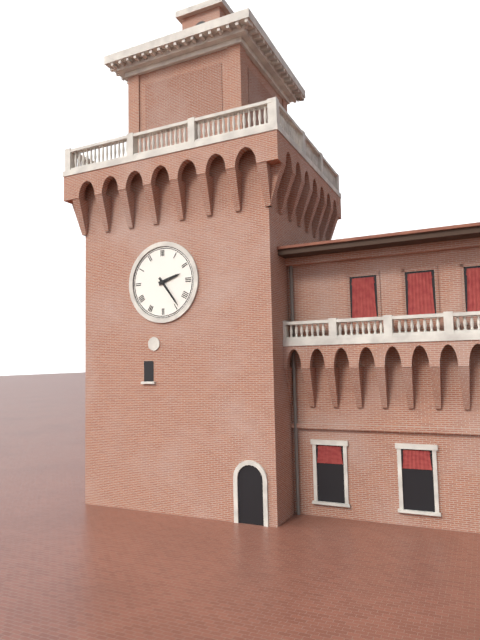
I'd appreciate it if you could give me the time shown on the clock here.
2:24
